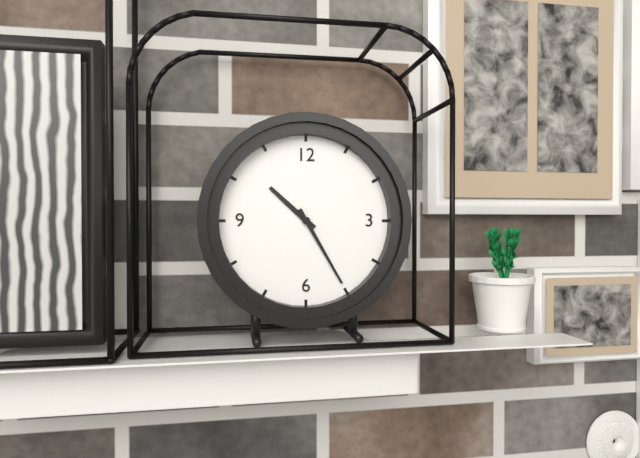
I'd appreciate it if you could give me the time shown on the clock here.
10:25
